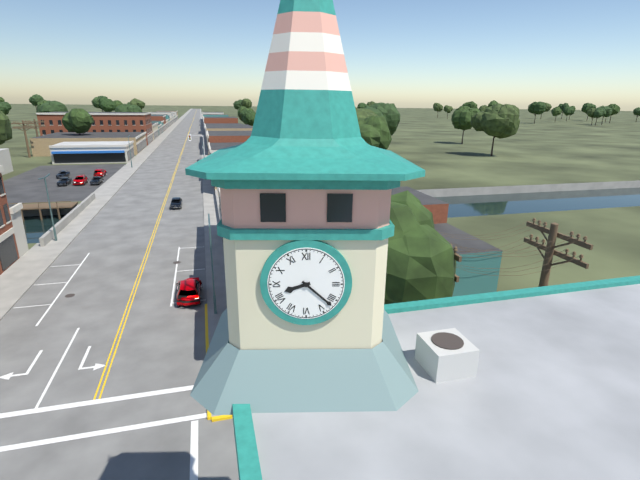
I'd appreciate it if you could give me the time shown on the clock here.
8:22
